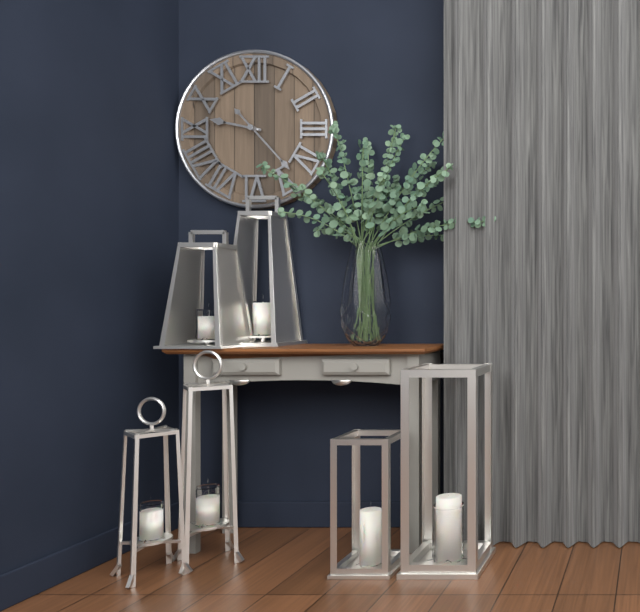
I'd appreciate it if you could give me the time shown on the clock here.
9:23
